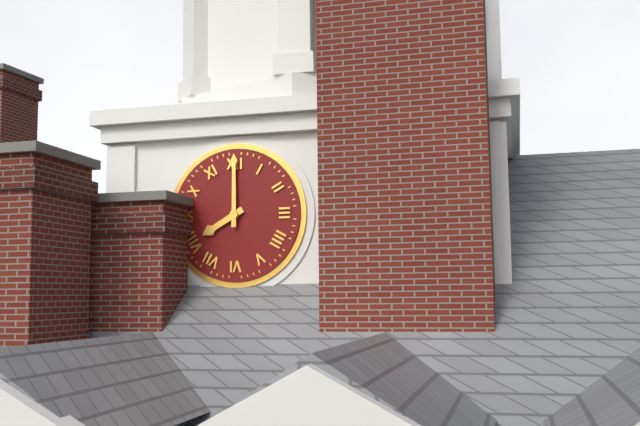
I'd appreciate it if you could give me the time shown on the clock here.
8:00
